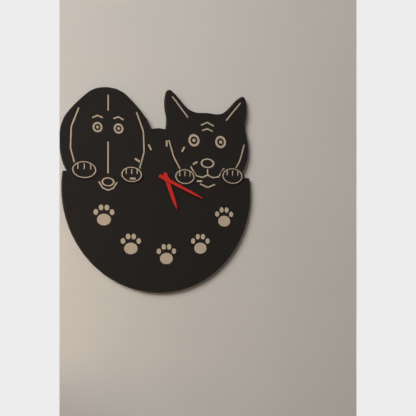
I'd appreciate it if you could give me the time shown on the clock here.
5:19
